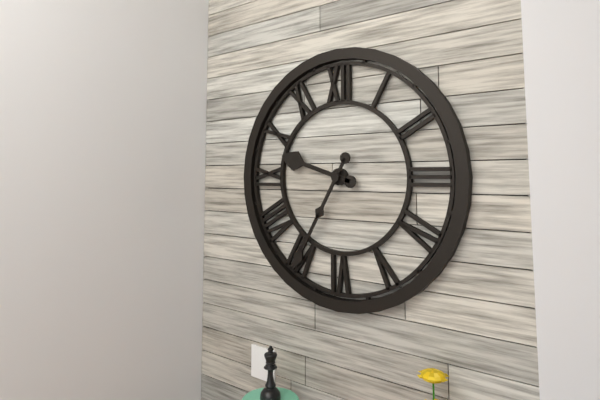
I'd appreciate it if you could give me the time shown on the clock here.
9:35
